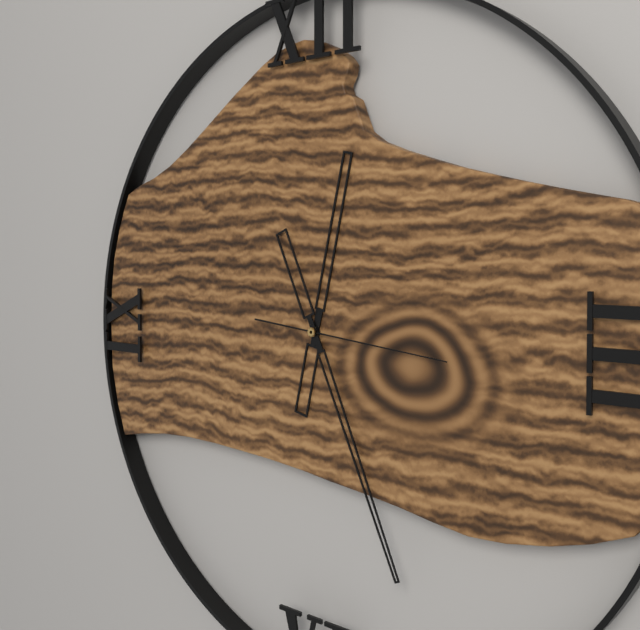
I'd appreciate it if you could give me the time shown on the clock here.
12:26:16
